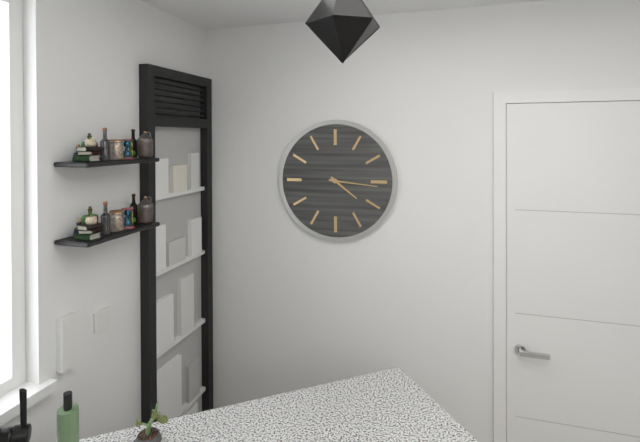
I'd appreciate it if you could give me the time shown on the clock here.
4:16
